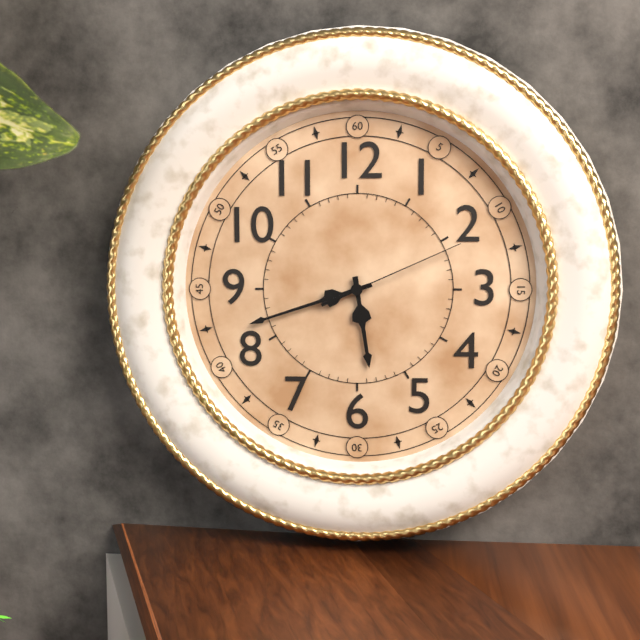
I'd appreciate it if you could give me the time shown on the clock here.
5:42:11
